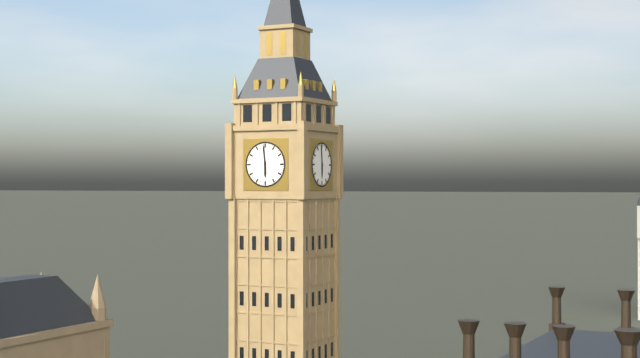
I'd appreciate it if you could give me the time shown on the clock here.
5:59
